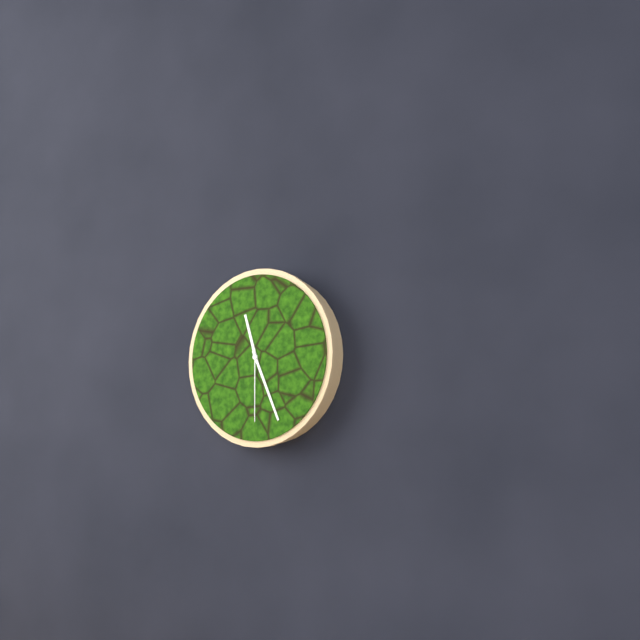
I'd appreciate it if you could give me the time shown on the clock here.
11:26:30
